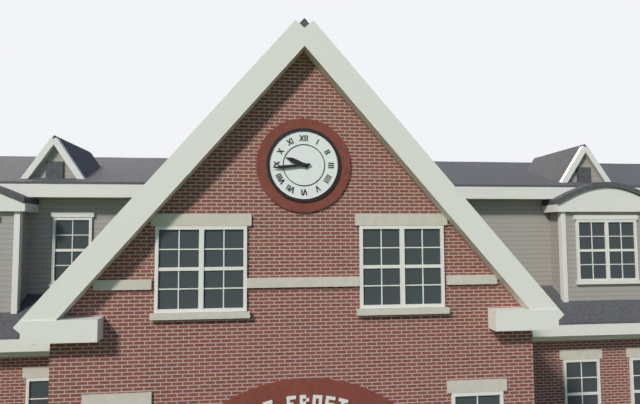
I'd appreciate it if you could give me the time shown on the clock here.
9:44
